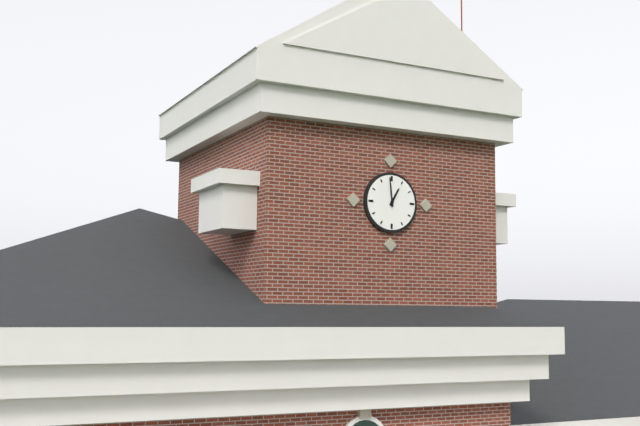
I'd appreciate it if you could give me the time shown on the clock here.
12:59
